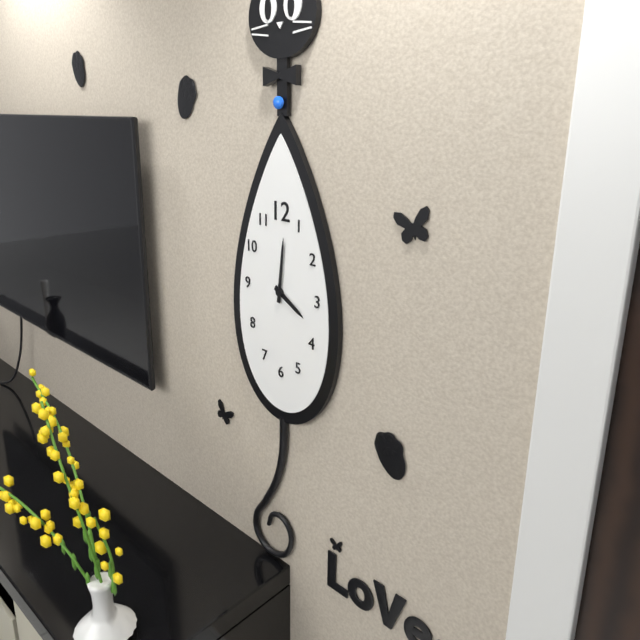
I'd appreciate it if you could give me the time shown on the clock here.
4:01
